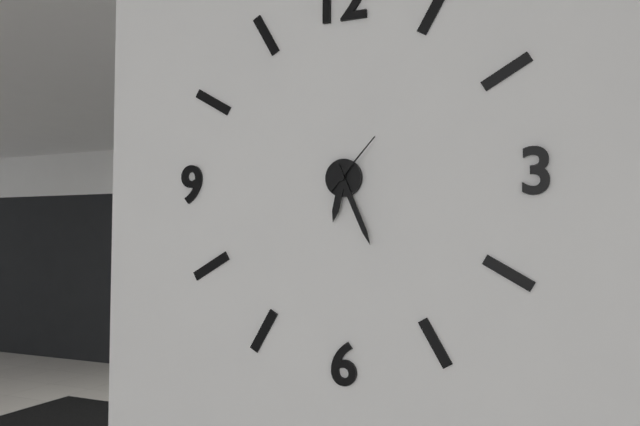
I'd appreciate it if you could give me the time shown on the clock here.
6:26:07
